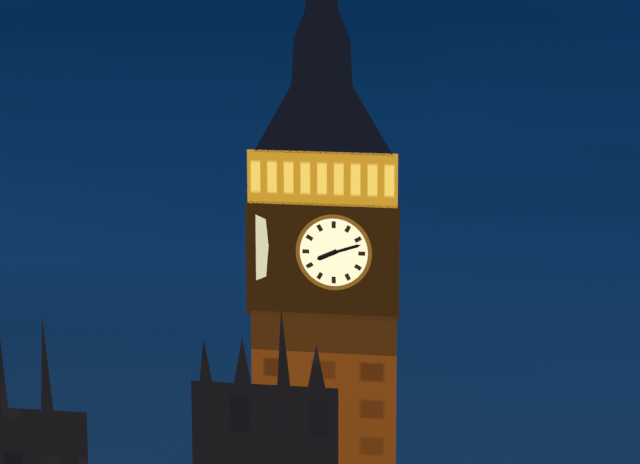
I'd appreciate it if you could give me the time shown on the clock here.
8:12
